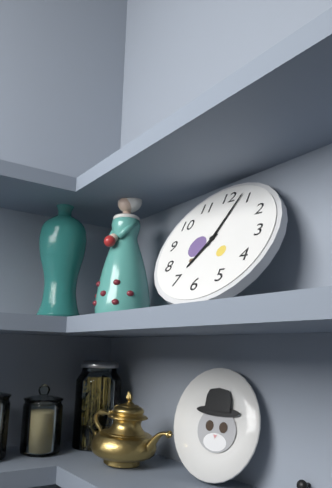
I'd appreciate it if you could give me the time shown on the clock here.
7:03
